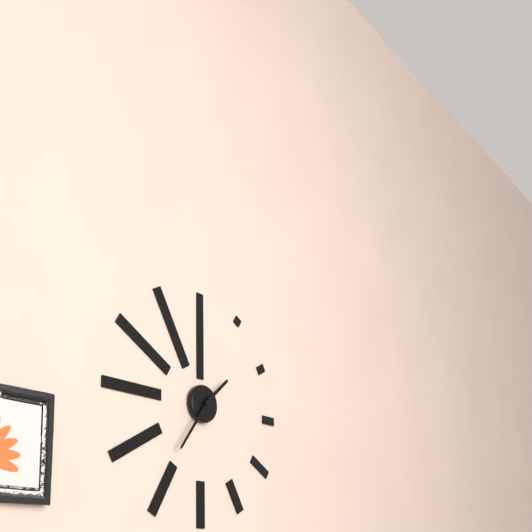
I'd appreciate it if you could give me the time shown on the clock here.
1:36
